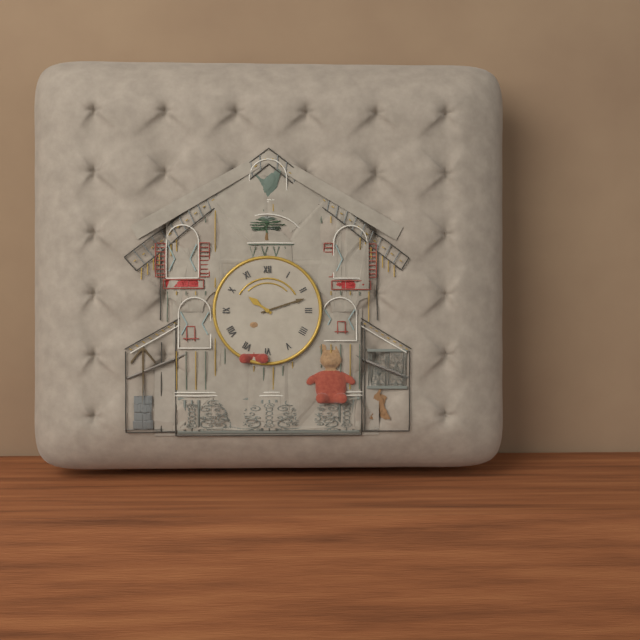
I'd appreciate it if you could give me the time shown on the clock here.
10:12
